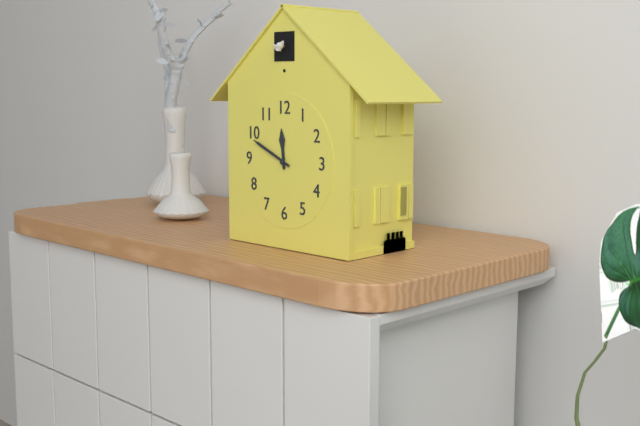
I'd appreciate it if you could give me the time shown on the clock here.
11:49
